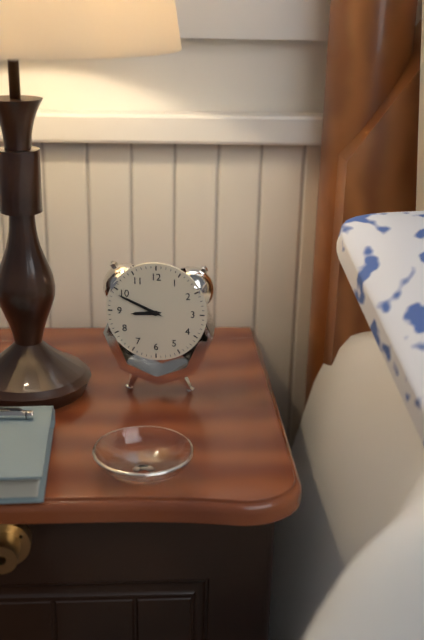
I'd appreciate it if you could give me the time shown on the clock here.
8:49
